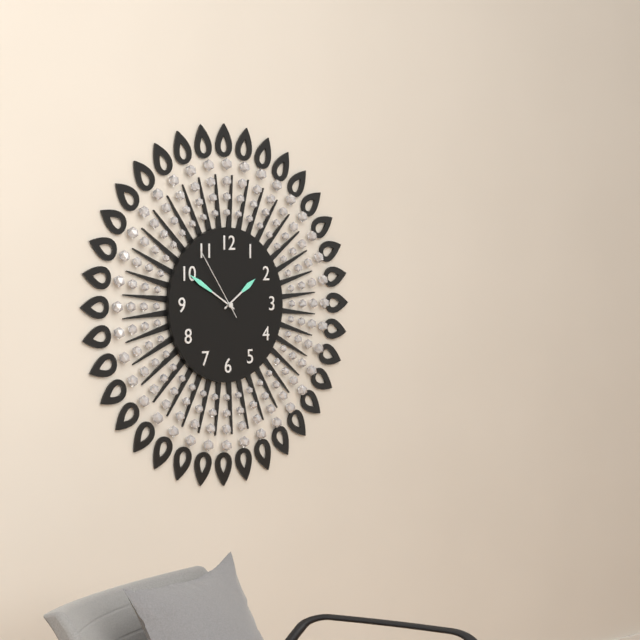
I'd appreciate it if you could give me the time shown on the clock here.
1:50:54
